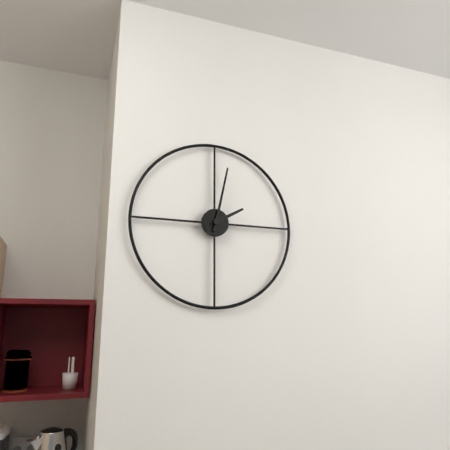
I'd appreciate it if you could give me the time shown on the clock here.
2:02
